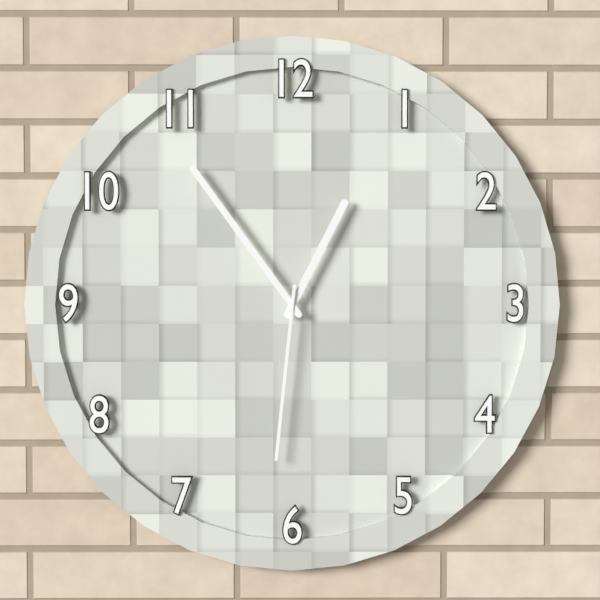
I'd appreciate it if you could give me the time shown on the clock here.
12:54:31
